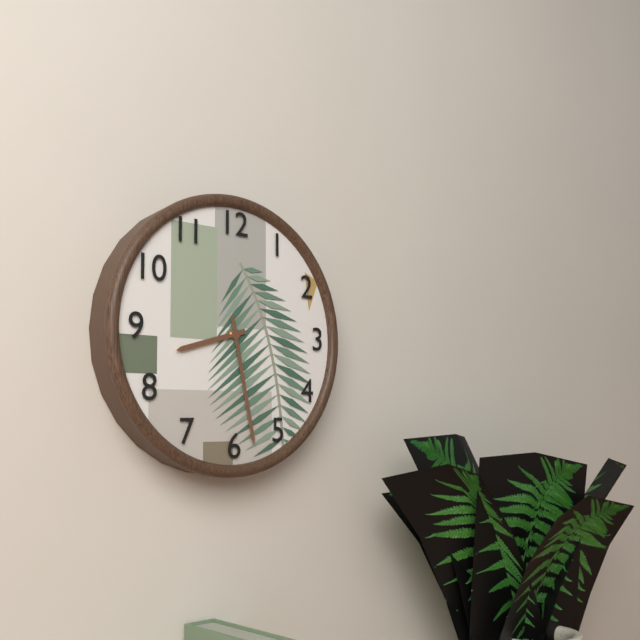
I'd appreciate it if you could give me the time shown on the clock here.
8:28
